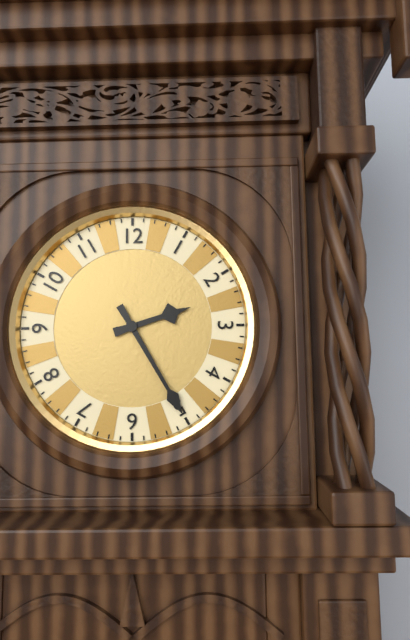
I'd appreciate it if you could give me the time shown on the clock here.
2:25
